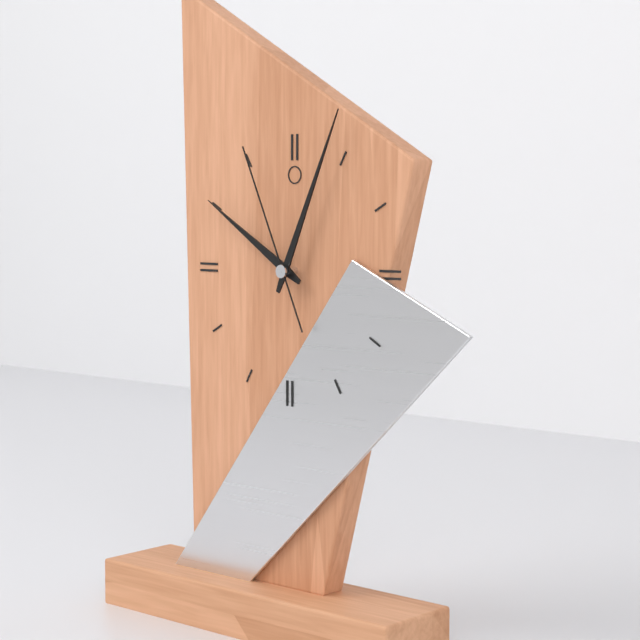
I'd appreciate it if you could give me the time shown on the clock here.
10:04:56
